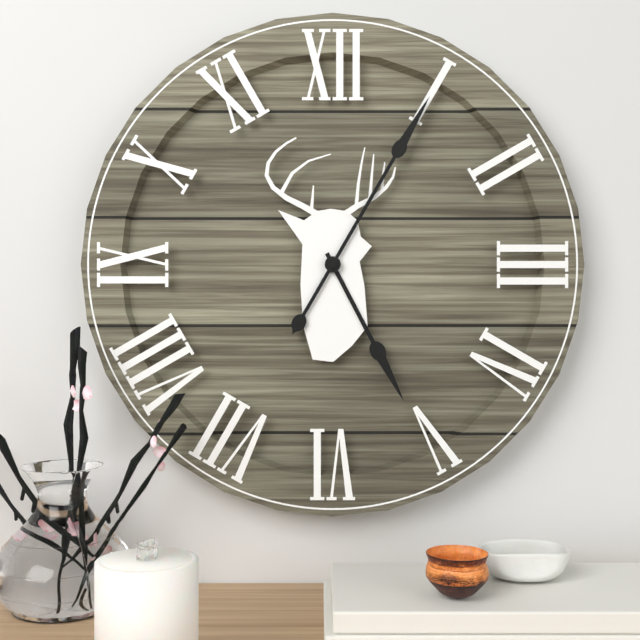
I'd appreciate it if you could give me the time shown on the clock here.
5:05
